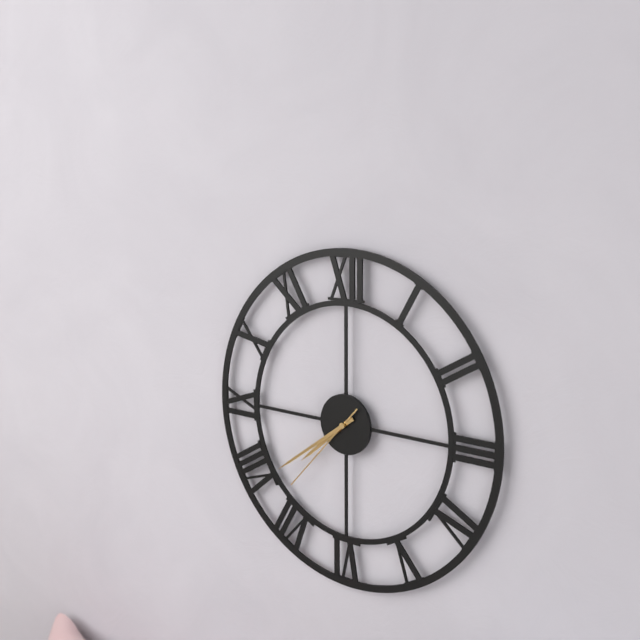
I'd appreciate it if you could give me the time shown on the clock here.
7:39:37
